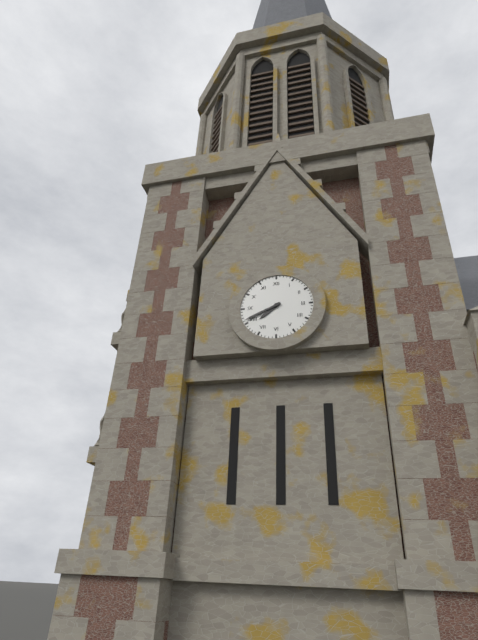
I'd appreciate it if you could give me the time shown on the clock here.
7:41
